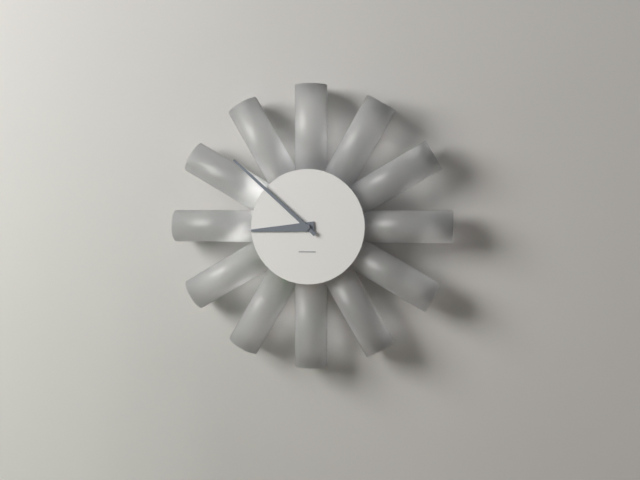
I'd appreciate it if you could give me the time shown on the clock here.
8:52
